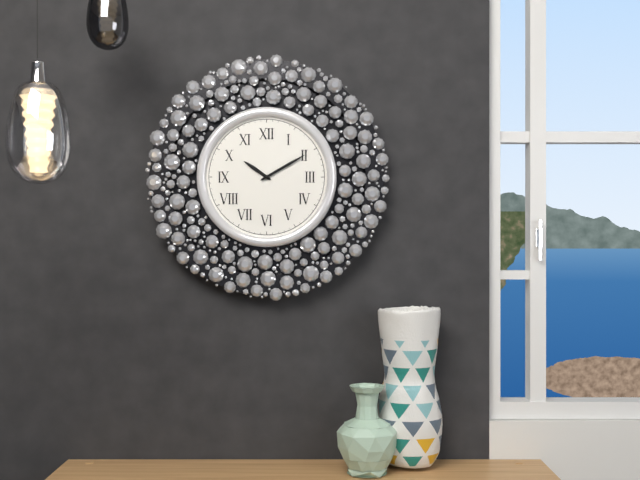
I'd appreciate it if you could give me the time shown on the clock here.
10:10
